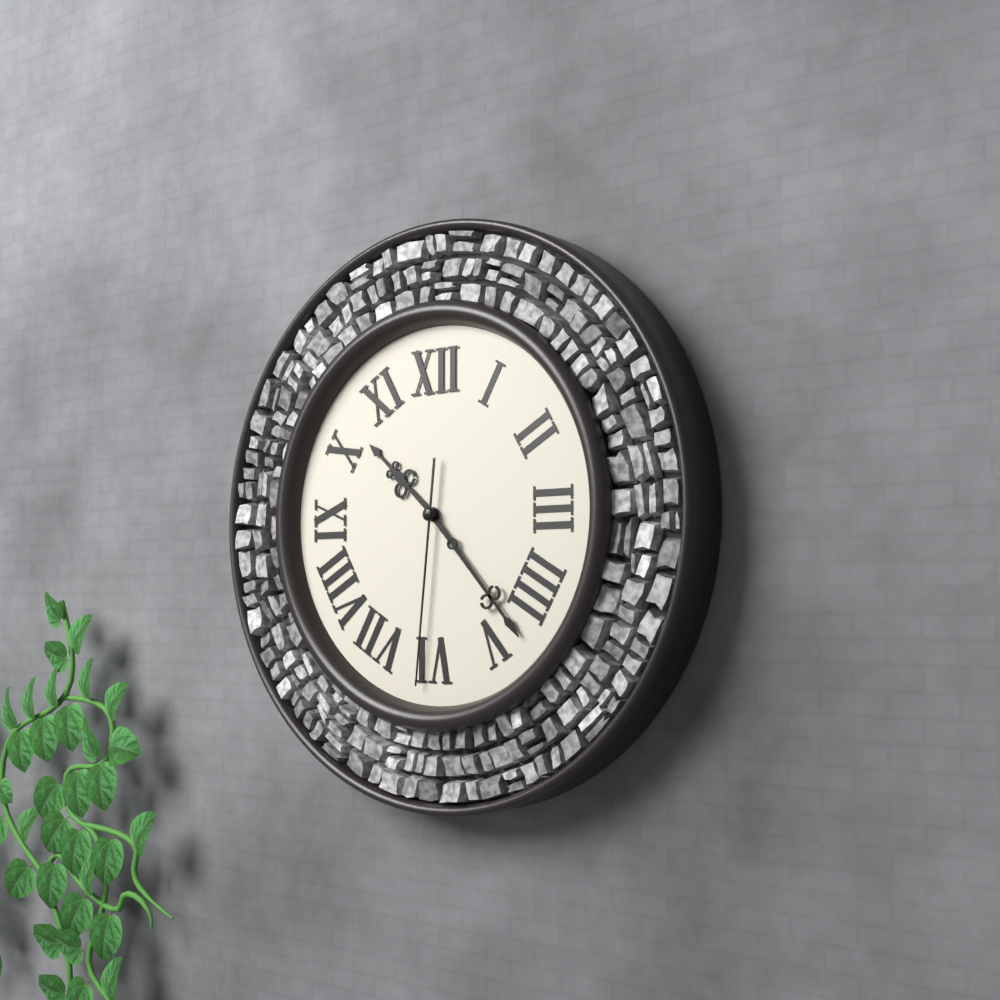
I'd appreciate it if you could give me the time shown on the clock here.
10:23:31
